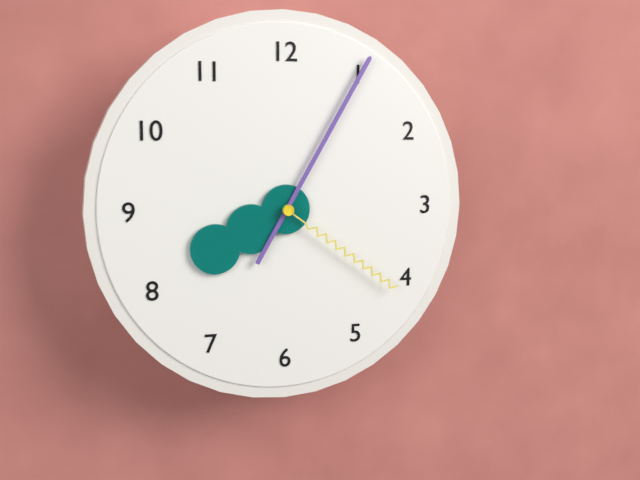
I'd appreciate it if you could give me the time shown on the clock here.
8:05:21
